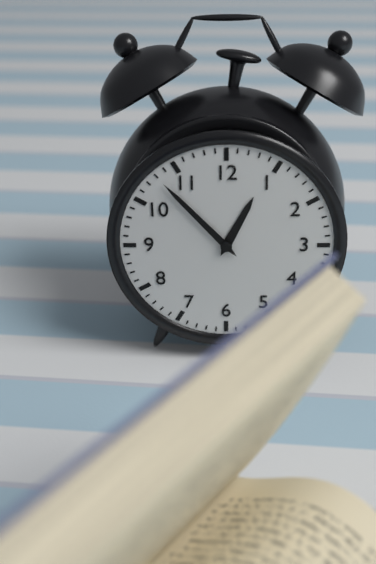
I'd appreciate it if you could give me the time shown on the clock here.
12:53
